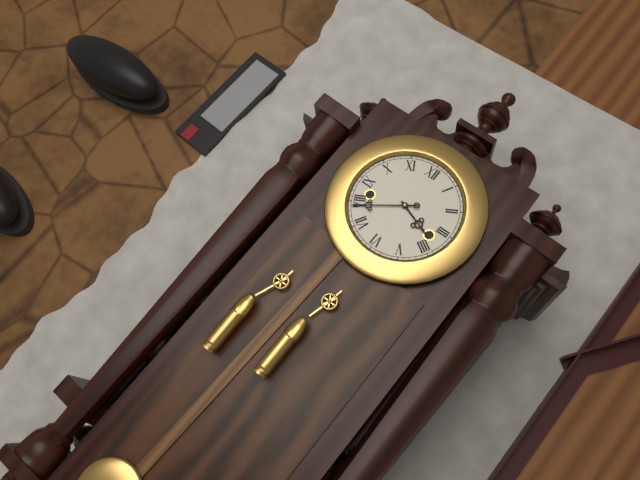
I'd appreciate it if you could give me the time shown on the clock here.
3:39
